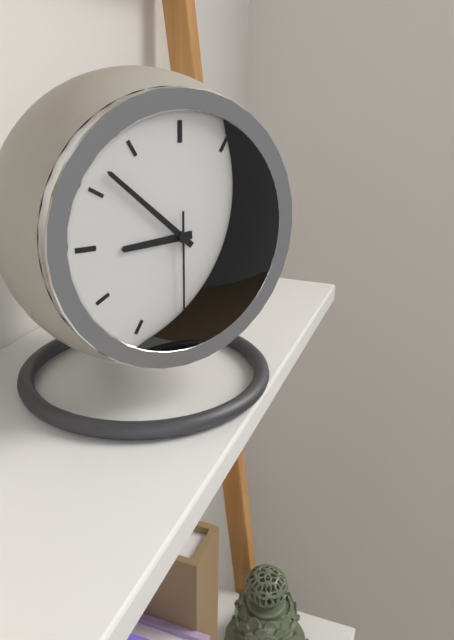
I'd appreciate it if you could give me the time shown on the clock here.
8:52:30
